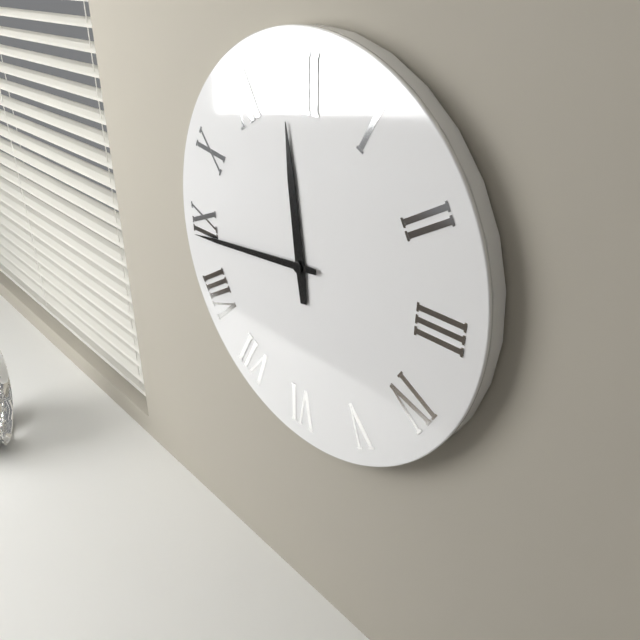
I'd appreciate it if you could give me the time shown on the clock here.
11:44
